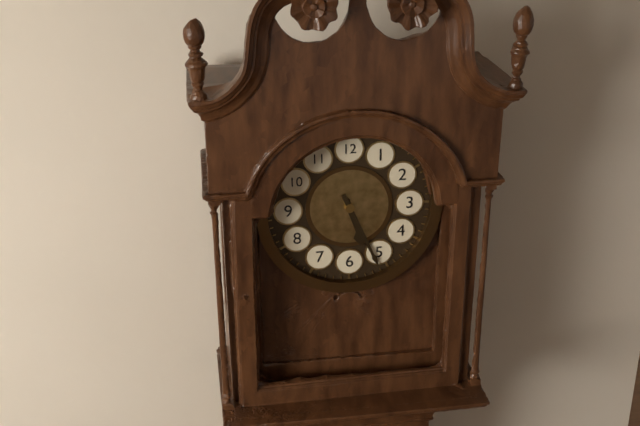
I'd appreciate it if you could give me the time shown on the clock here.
5:26
